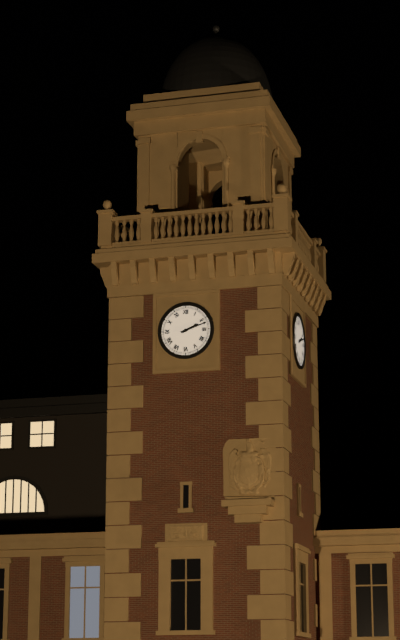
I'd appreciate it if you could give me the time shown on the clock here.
2:12
